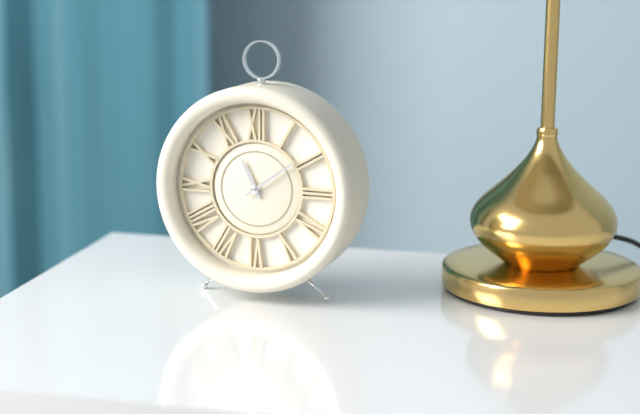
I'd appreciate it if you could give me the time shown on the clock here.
11:09
